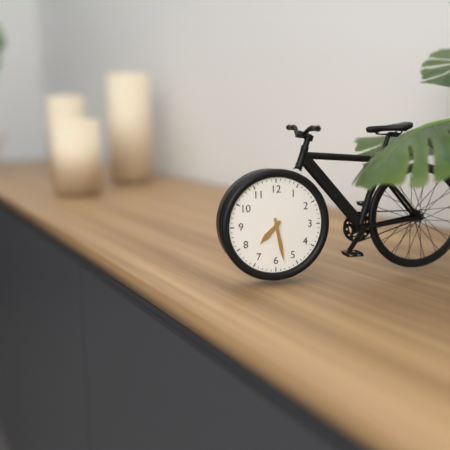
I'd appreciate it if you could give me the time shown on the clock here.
7:28
